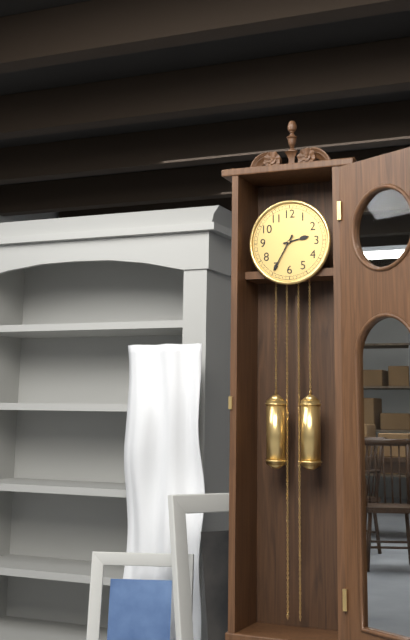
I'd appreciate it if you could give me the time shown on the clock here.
2:35
